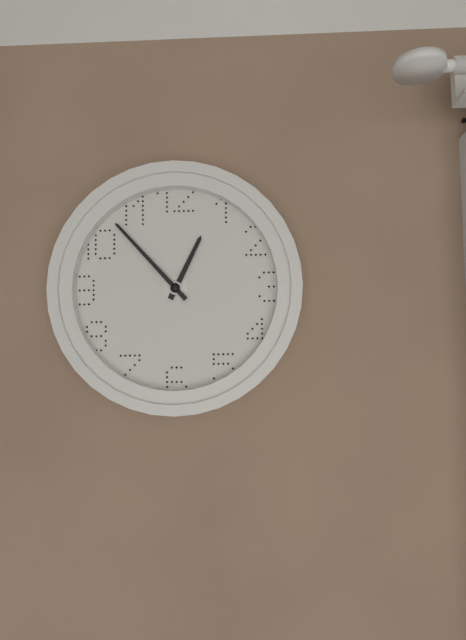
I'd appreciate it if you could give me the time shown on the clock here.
12:53
